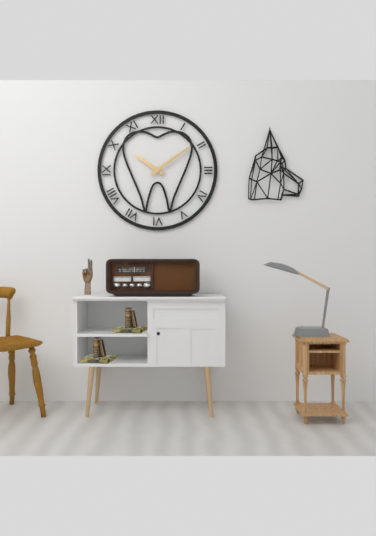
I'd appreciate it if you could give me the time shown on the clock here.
10:09
